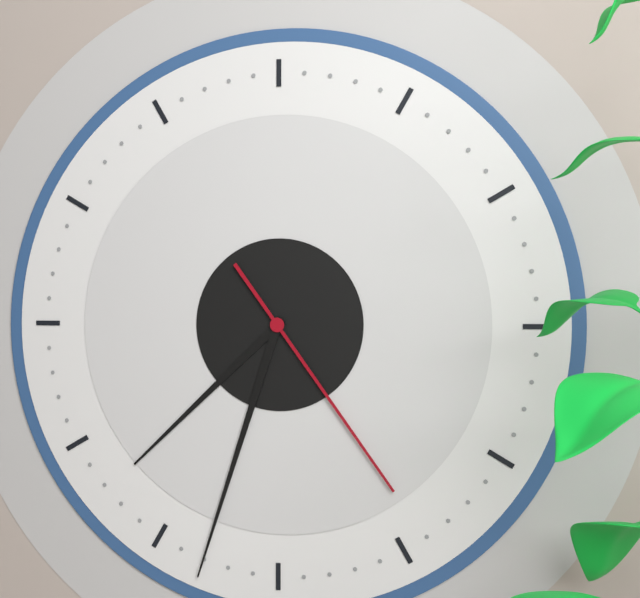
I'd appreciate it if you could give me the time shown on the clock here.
7:33:24
